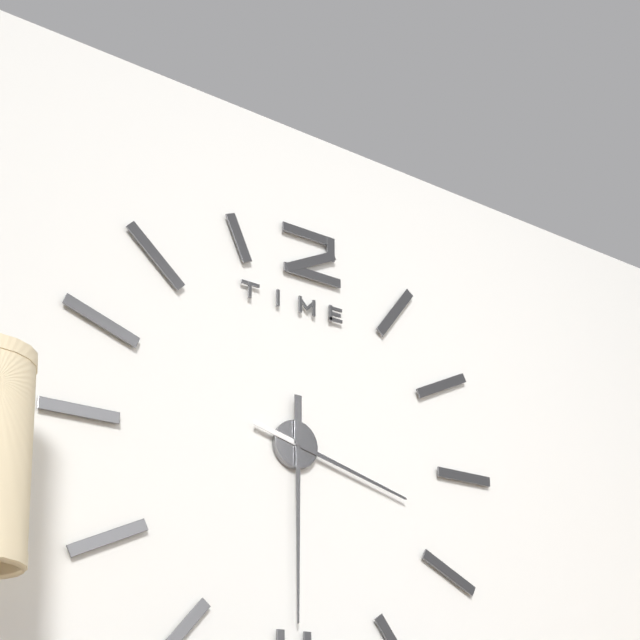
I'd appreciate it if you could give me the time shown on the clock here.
3:30
